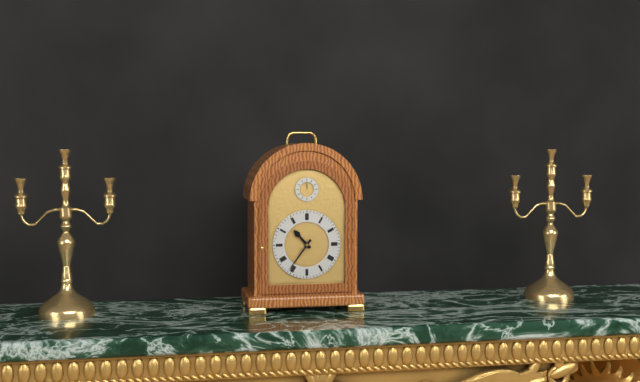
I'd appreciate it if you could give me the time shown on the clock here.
10:36
